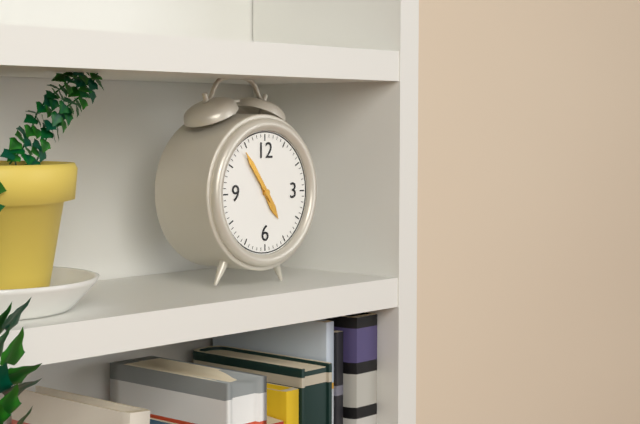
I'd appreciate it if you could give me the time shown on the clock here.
4:54
